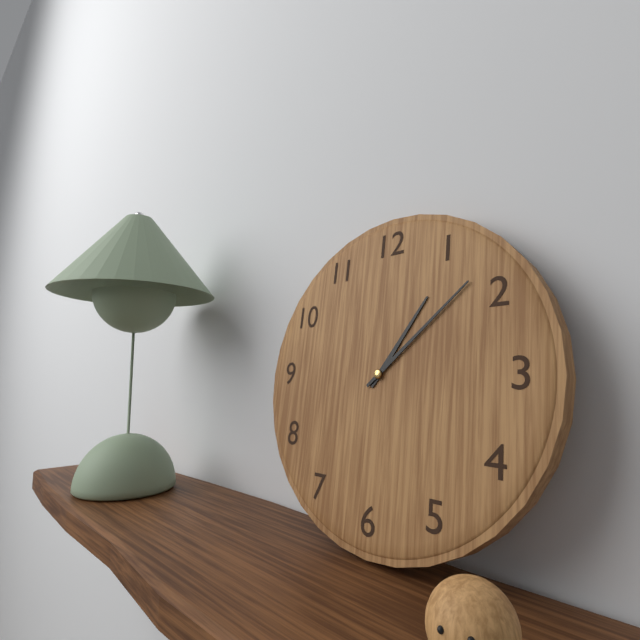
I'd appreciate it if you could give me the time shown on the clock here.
1:08
